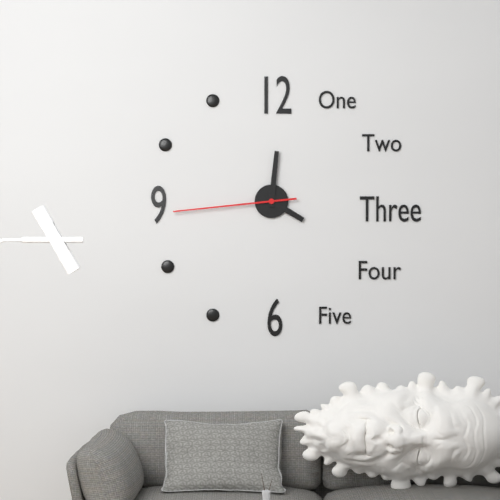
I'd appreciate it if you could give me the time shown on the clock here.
4:01:44
